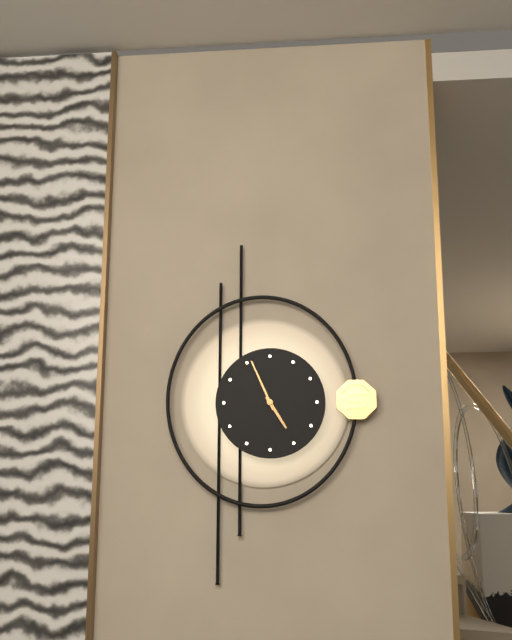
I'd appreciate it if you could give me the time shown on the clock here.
4:56
